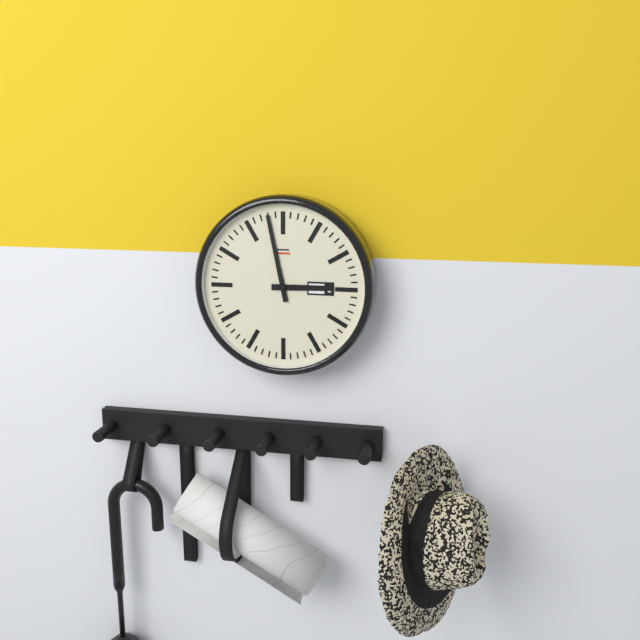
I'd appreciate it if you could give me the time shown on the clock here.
2:58
